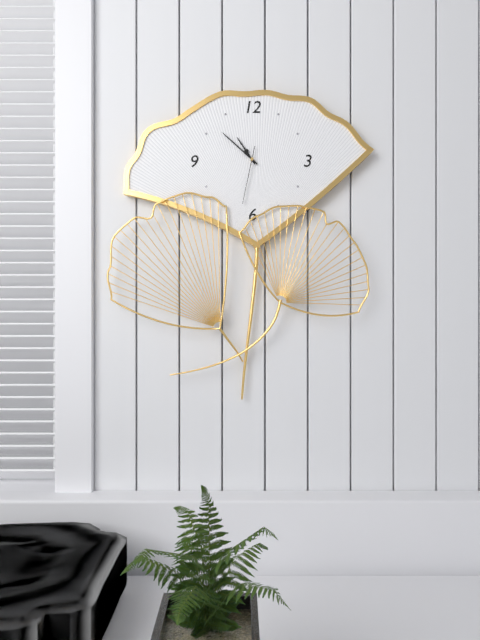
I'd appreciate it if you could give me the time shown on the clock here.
10:52:32
